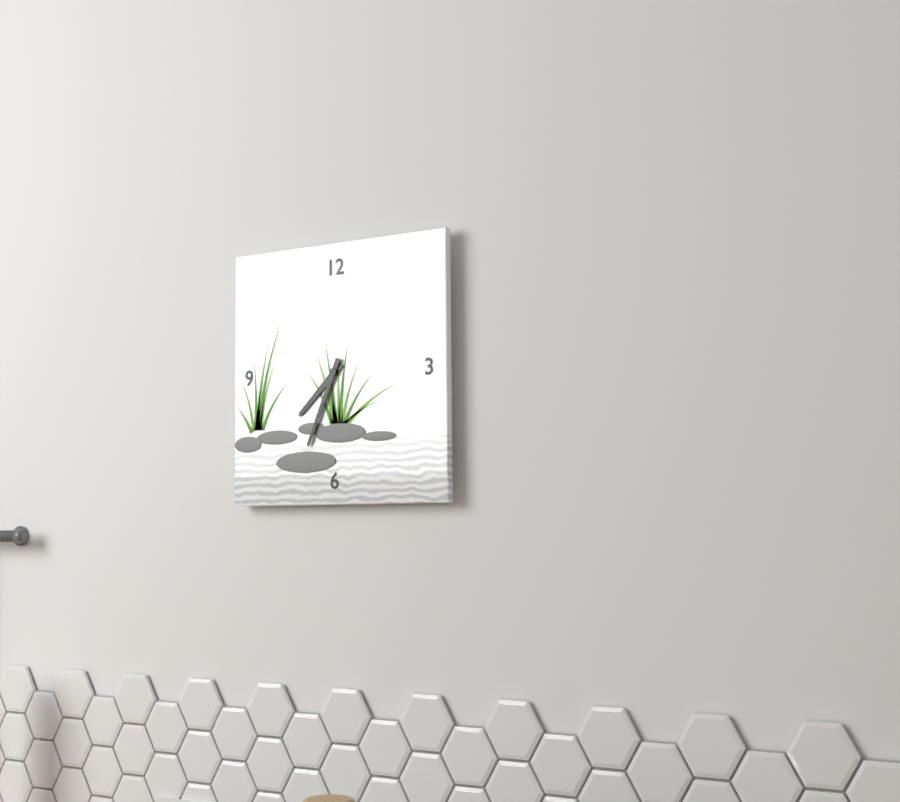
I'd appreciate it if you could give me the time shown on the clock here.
7:34
